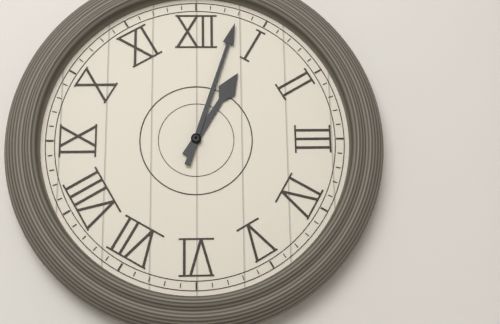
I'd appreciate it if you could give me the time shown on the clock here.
1:03
